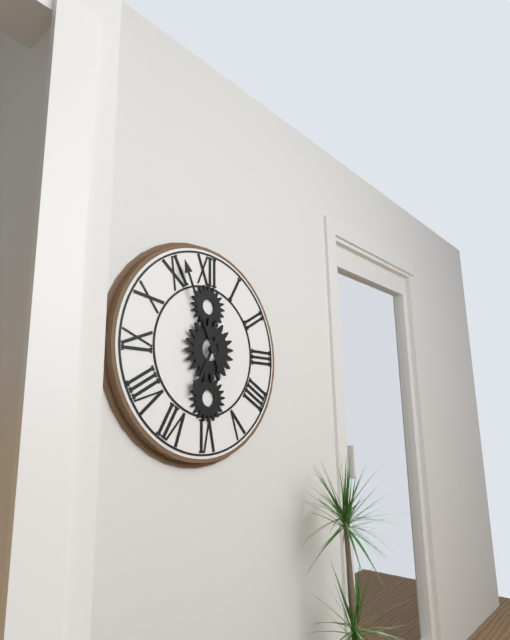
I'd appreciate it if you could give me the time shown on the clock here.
6:56
